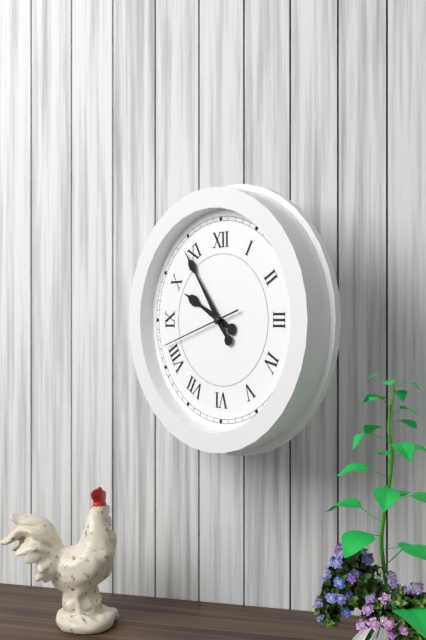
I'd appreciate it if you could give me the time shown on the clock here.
9:54:42
